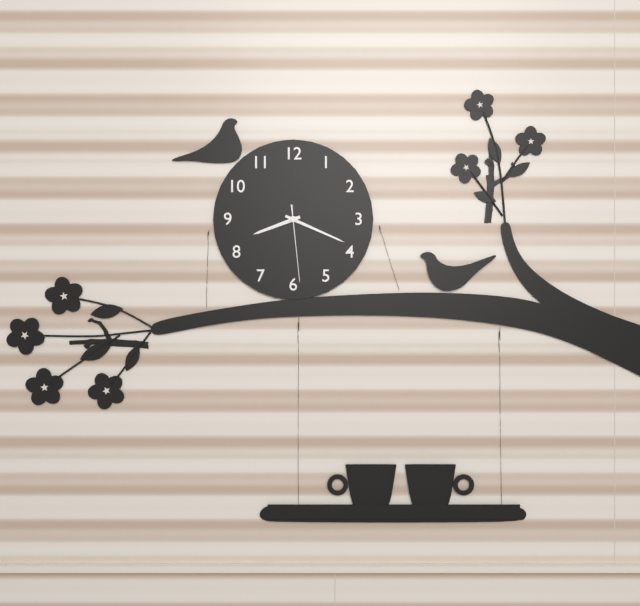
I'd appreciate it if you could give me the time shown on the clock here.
8:19:29
